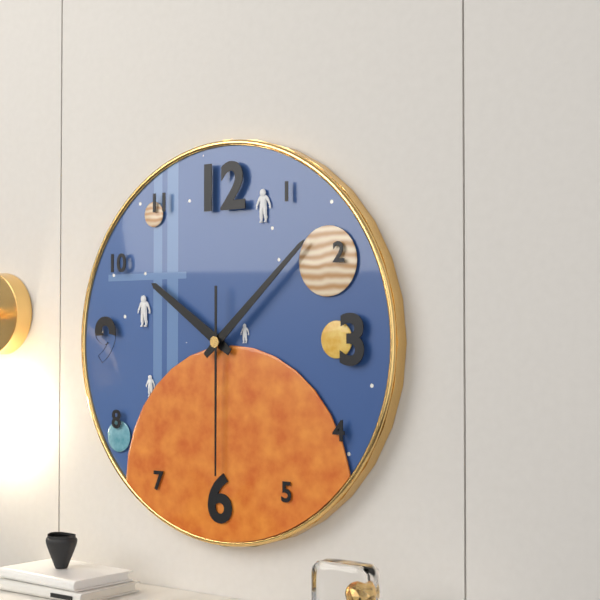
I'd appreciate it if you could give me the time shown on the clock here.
10:08:30
